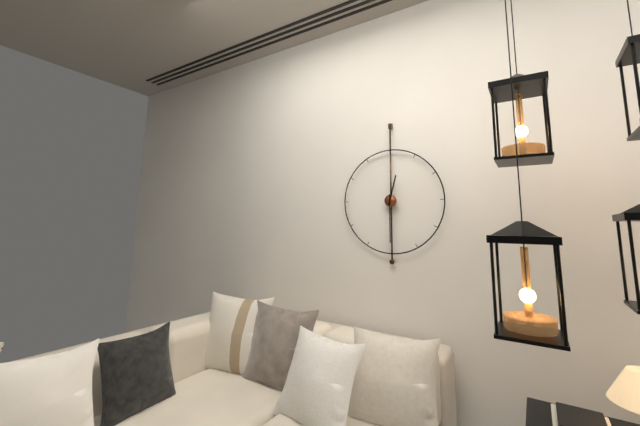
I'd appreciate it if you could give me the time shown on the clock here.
12:30
